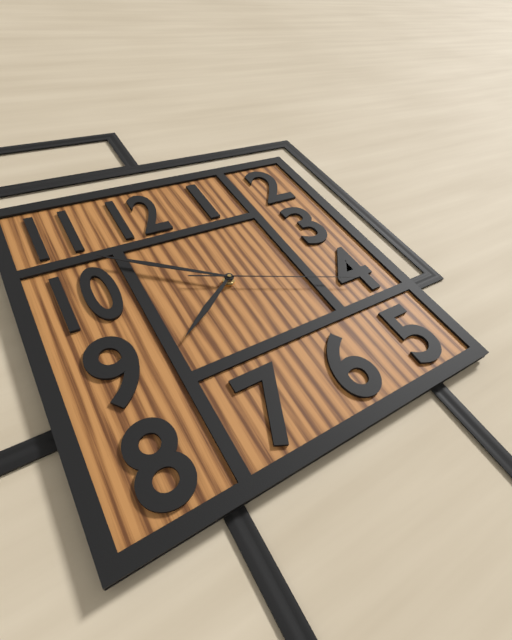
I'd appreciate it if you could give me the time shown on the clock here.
7:51:19
